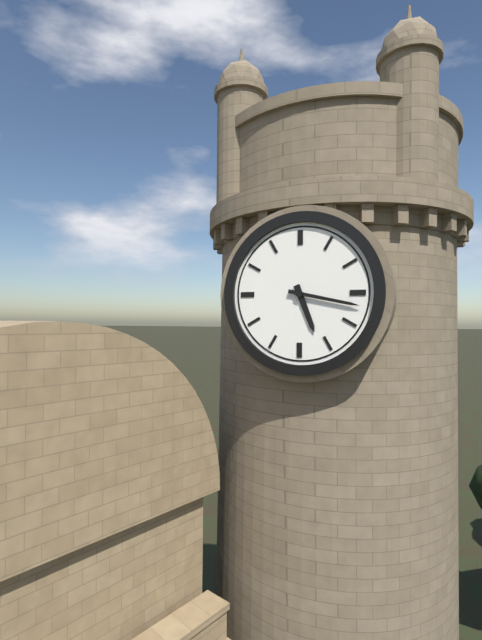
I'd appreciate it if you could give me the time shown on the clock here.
5:17
